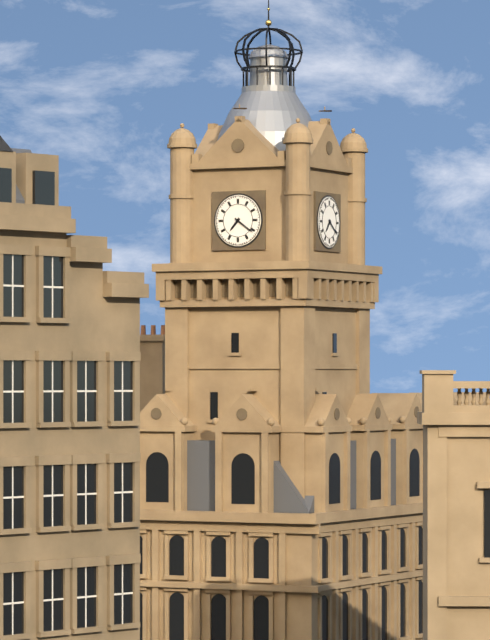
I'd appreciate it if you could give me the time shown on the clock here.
7:21
